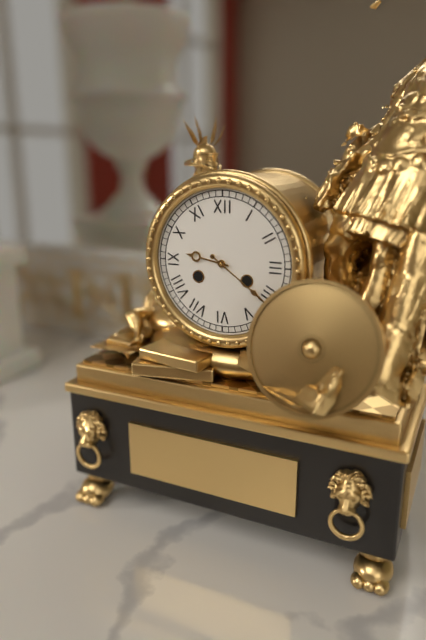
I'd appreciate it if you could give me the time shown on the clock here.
9:21
